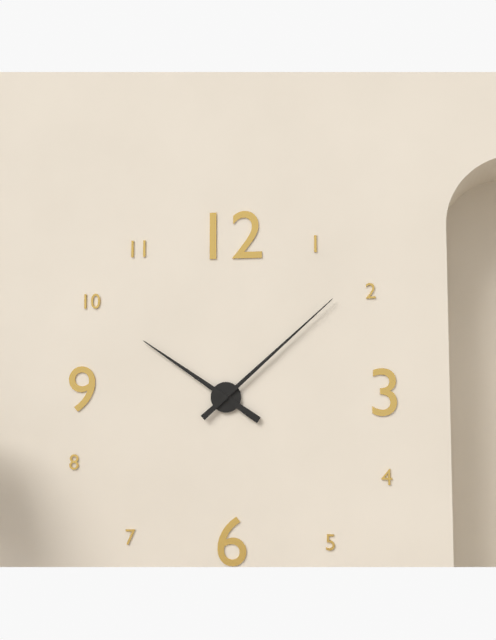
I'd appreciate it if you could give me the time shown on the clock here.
10:08
